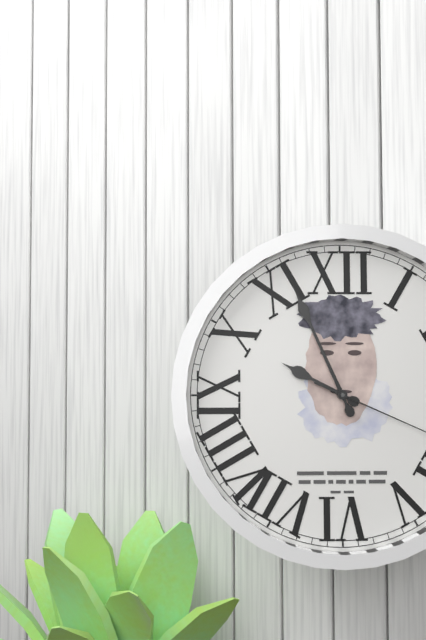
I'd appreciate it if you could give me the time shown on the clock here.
9:56
